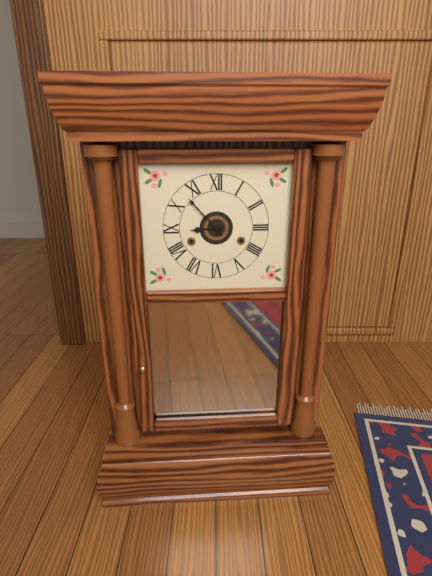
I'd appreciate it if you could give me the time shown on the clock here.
8:53
